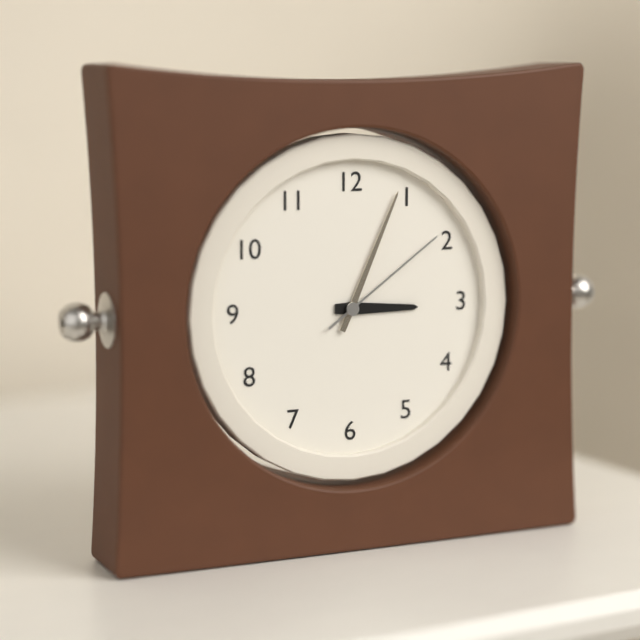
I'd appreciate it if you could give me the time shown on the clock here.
3:04:09
